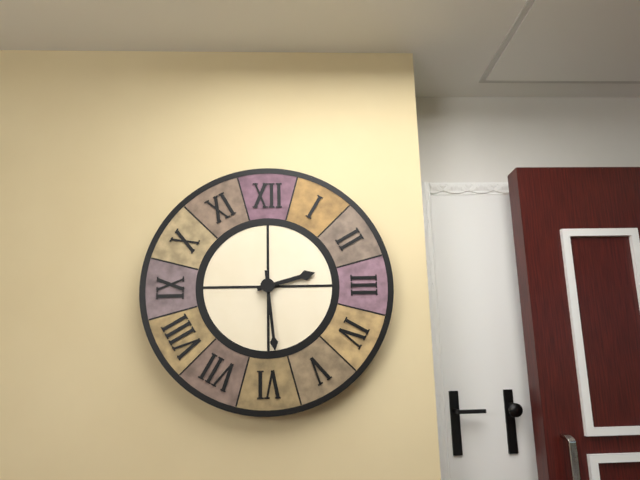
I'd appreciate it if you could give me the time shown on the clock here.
2:29
